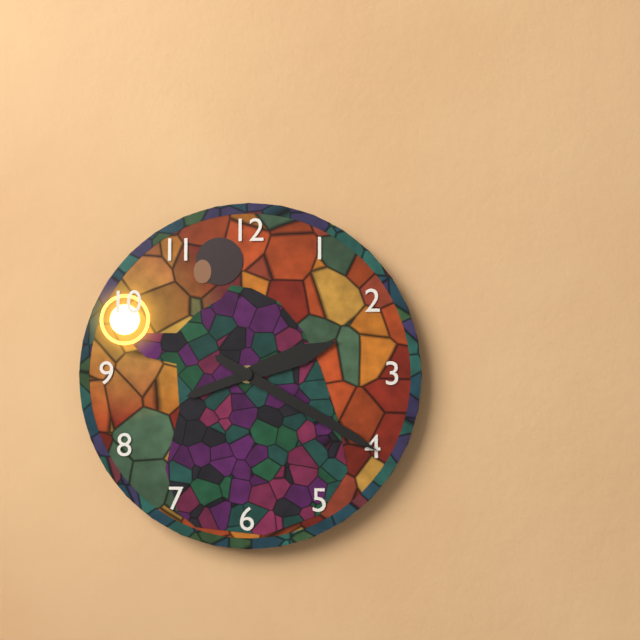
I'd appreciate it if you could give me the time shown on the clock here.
2:20
